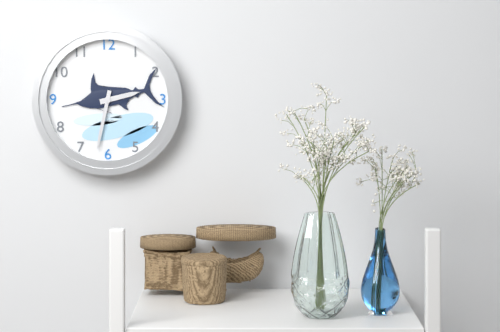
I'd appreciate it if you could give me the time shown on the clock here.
2:32
